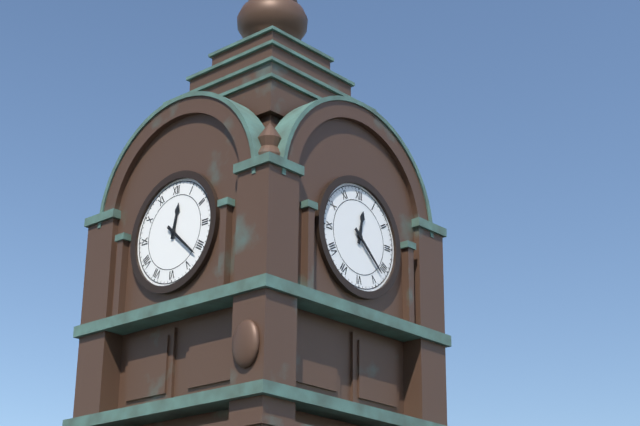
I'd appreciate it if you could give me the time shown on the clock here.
12:22
